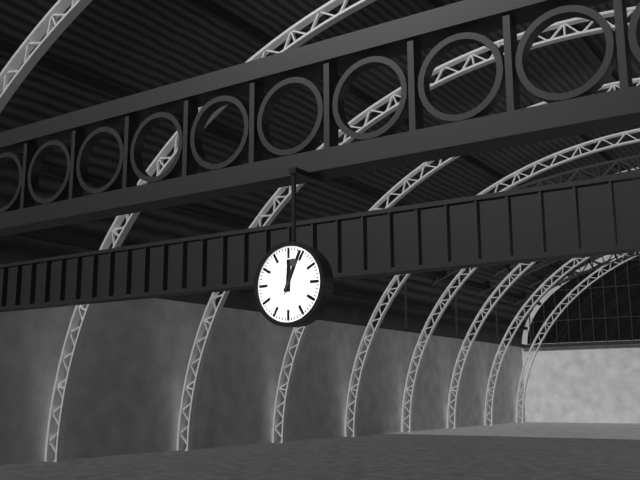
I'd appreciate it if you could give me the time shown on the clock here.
12:04
